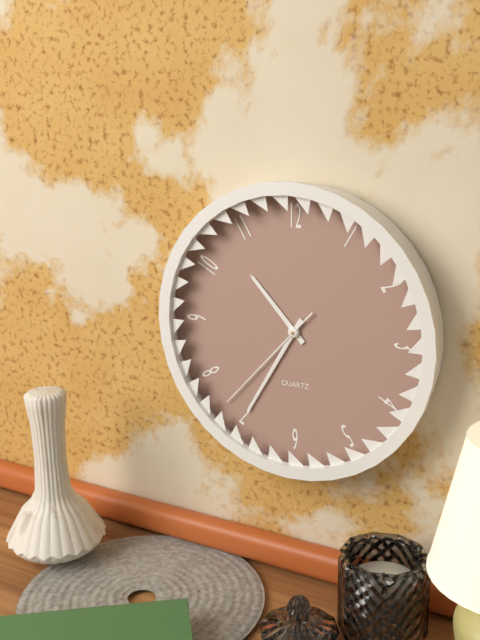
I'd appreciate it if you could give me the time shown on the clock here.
10:35:37
